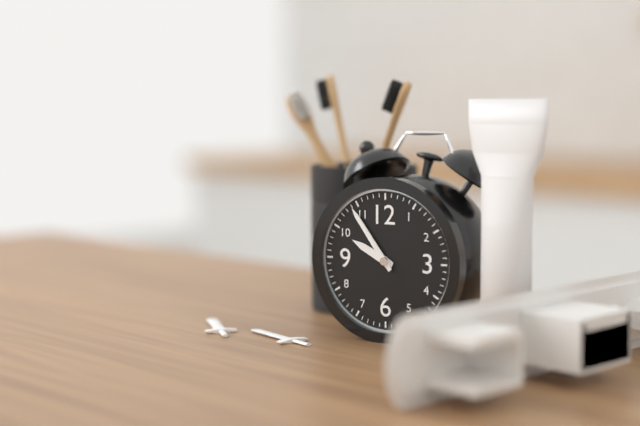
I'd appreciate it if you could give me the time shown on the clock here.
9:54
